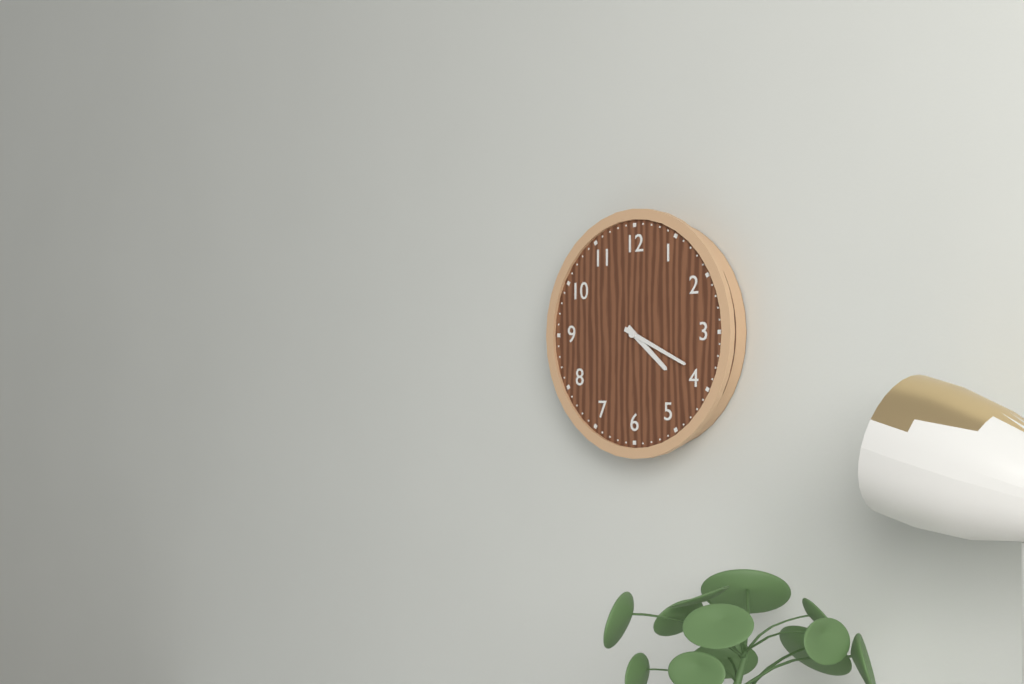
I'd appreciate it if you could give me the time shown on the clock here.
4:19
